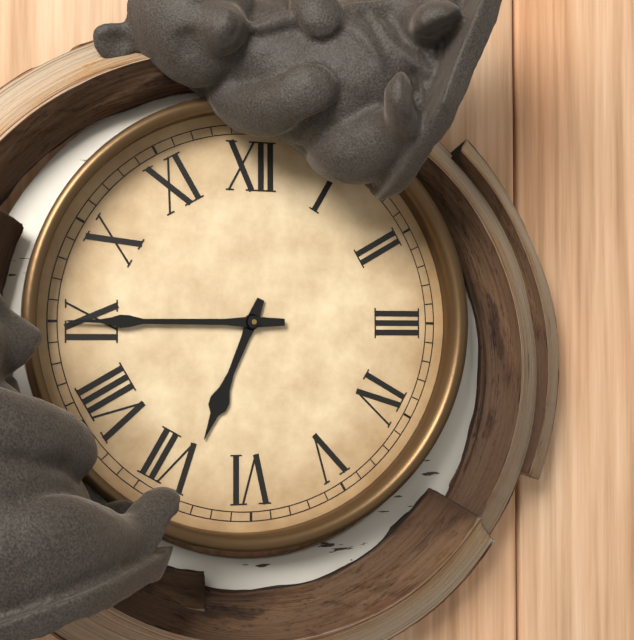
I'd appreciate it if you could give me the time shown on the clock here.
6:45
